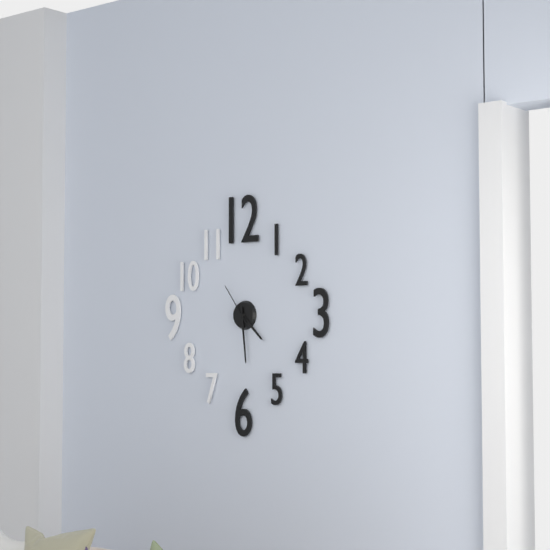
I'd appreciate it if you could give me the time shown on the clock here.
4:29
